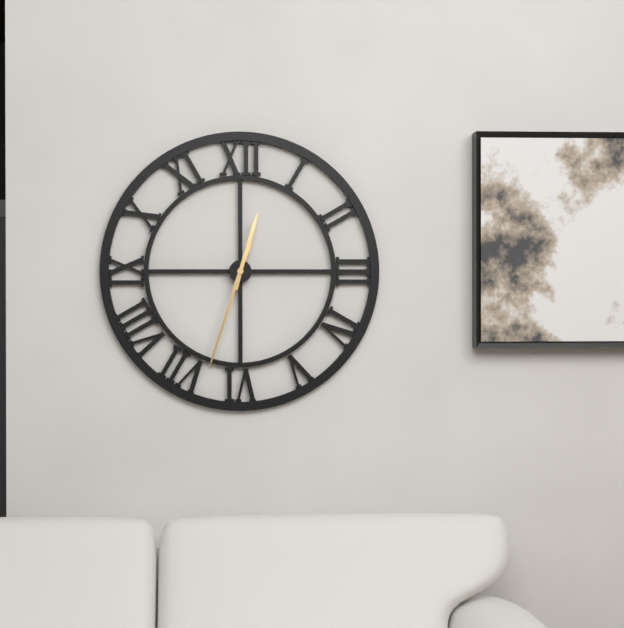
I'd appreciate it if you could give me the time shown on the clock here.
12:33
